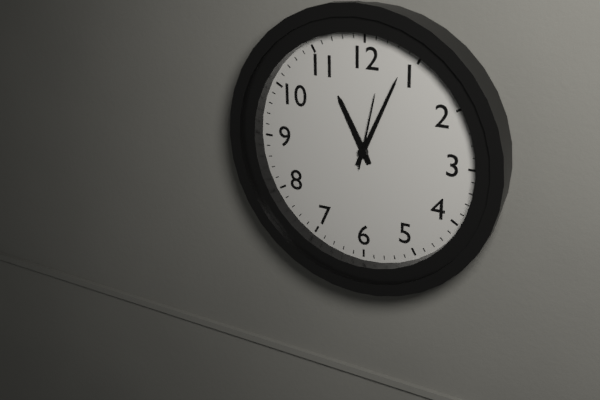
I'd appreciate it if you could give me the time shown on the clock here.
11:04:02
